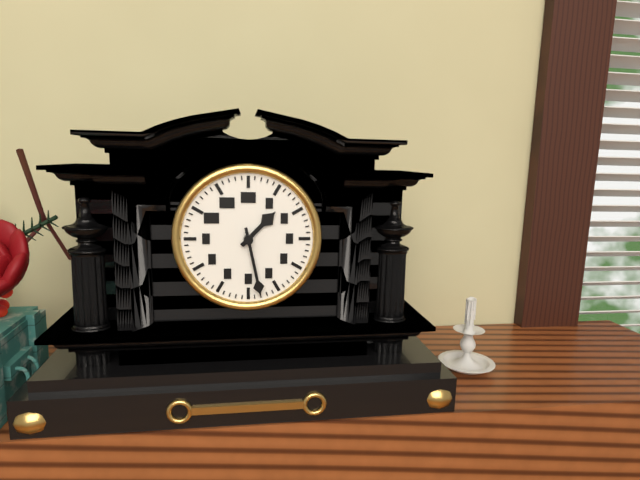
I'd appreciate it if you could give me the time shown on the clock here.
1:28
